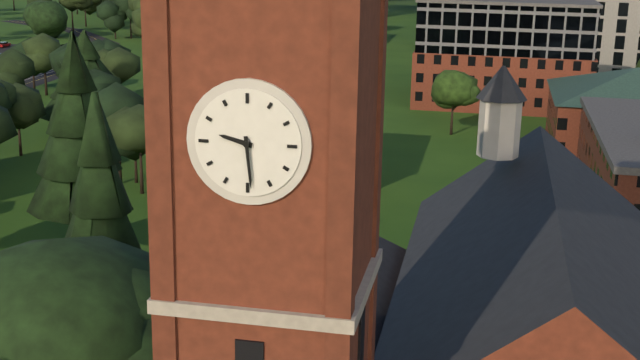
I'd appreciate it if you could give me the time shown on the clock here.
9:29
